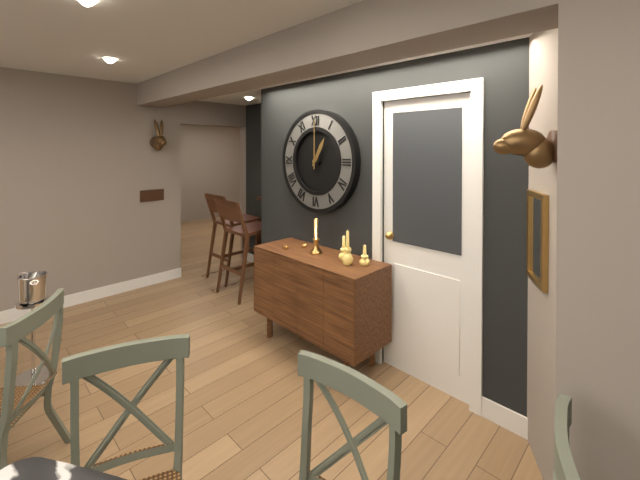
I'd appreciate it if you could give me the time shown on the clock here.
1:00
